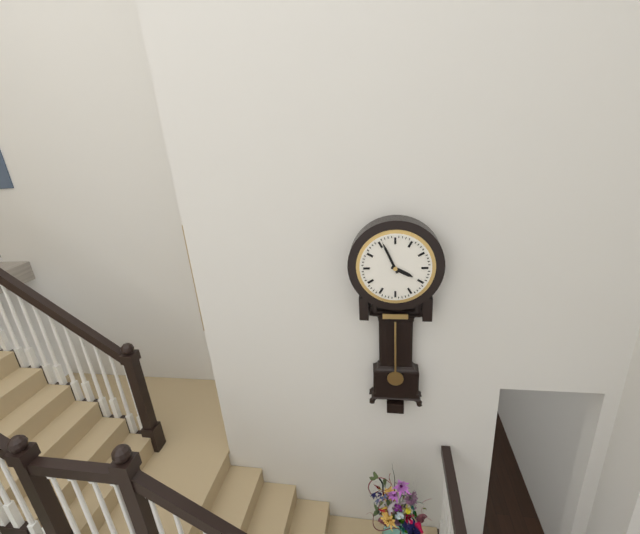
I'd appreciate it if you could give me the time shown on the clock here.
3:56
